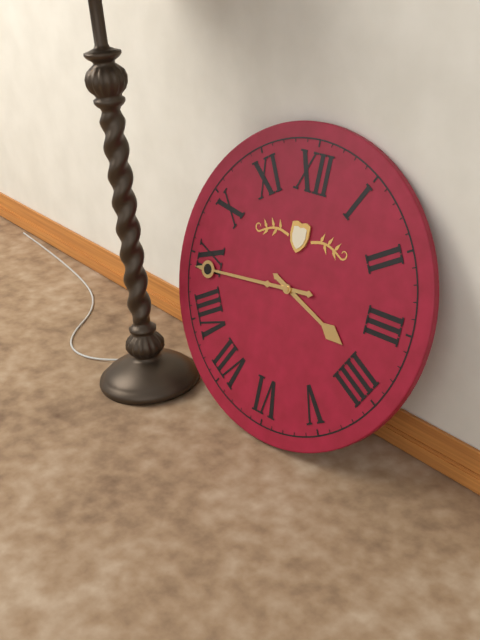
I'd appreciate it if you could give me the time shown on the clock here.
3:44
